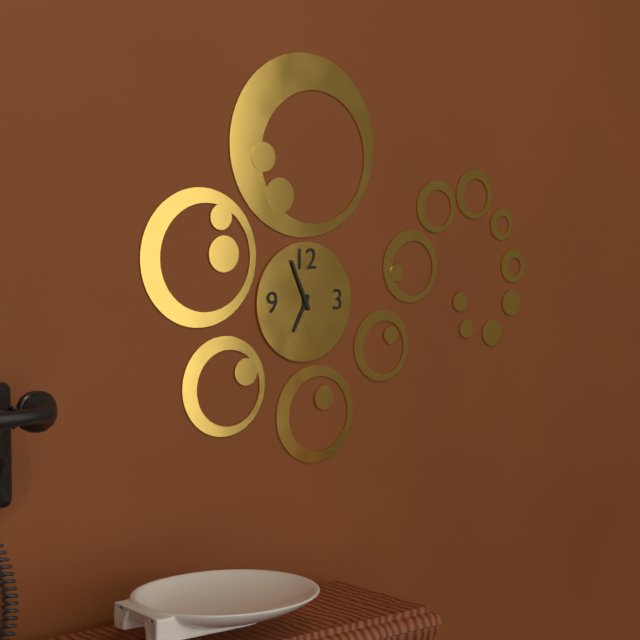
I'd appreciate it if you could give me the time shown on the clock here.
6:56
